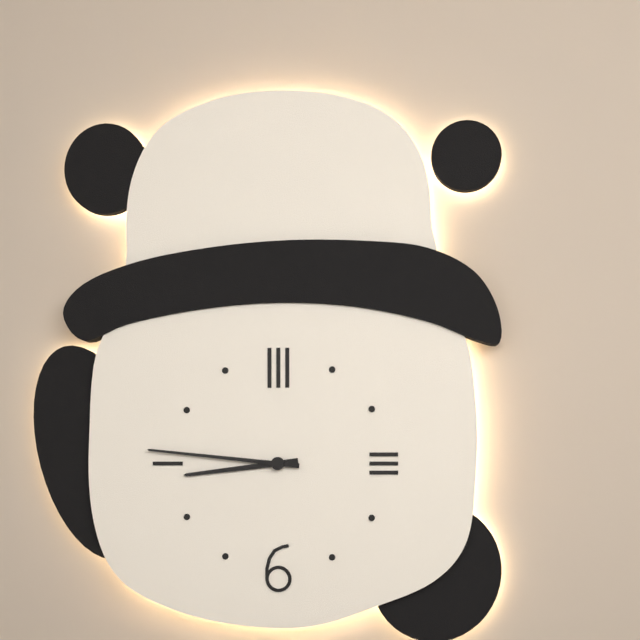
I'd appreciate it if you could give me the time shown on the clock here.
8:46
